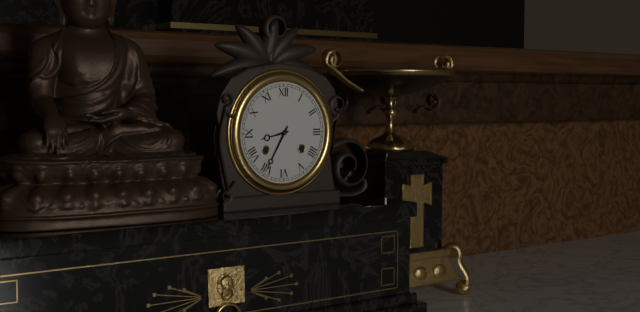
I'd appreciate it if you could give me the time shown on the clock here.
8:35
